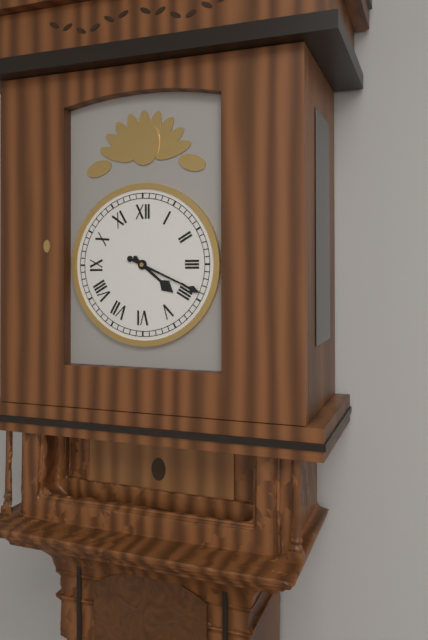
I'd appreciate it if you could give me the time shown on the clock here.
4:19
